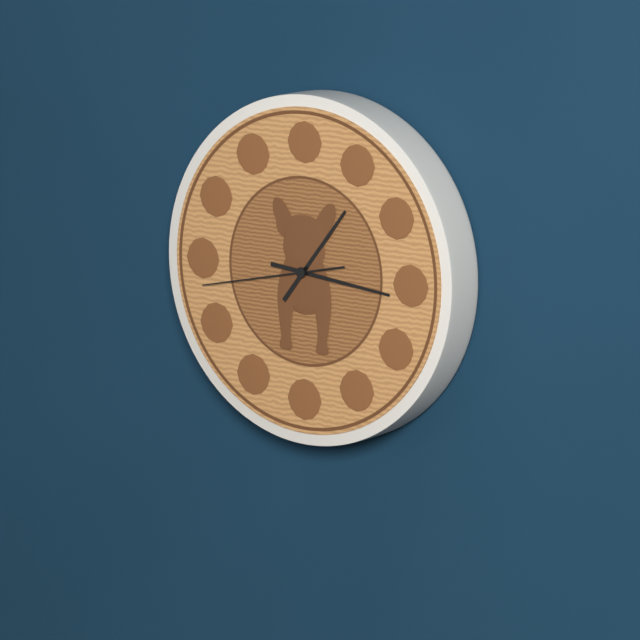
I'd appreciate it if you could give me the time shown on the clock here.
1:16:43
